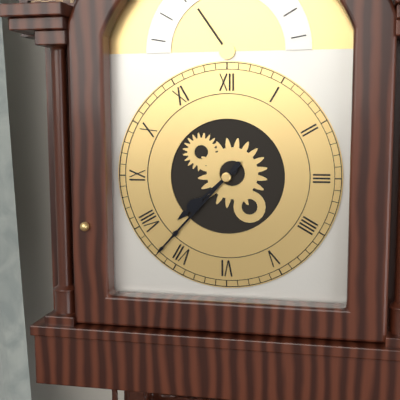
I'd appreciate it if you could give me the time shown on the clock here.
7:37
